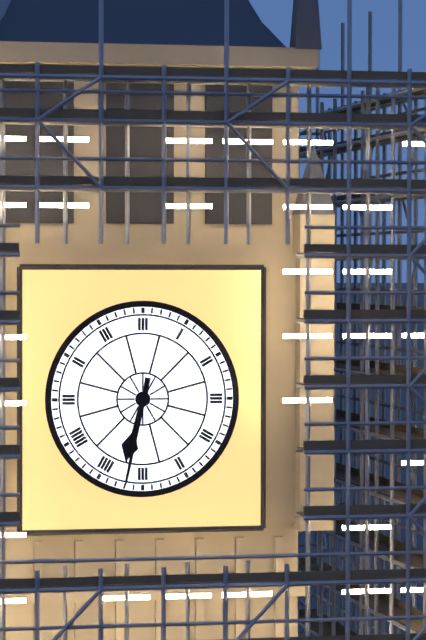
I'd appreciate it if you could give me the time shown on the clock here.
6:32
